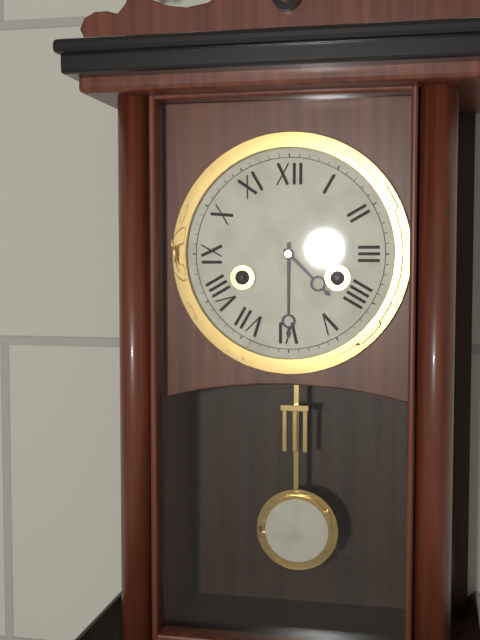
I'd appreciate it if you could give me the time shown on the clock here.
4:30
